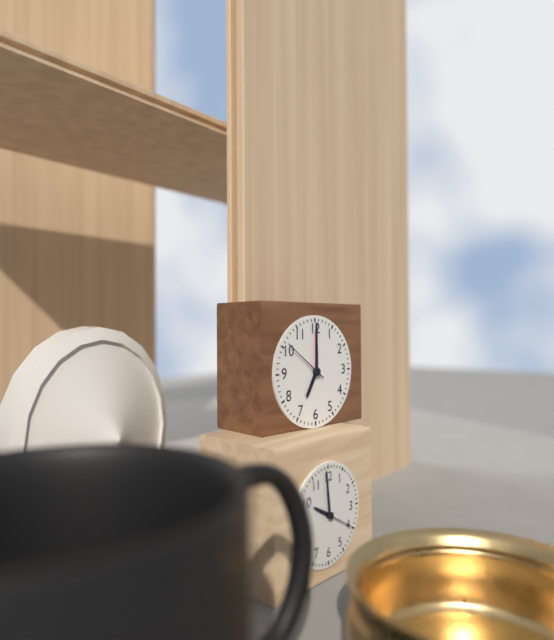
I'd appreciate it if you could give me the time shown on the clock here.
7:00:51
